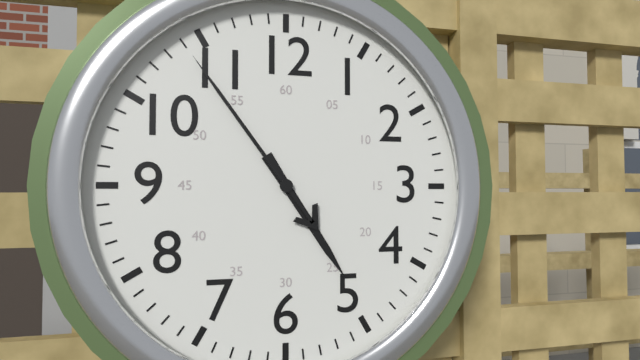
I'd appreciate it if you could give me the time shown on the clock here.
4:54
